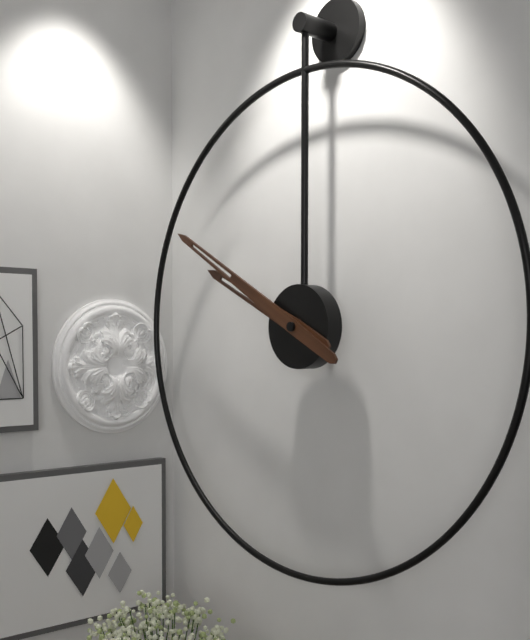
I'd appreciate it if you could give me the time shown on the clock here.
9:50
